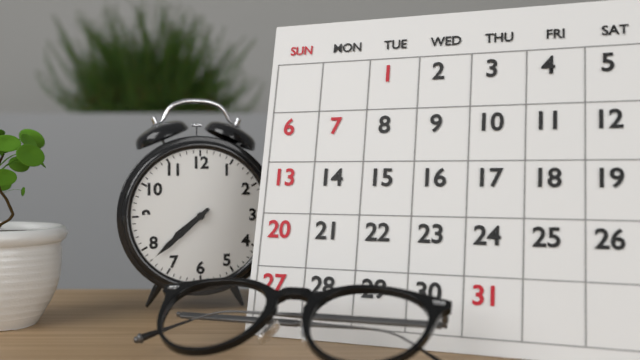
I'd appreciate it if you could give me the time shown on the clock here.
7:38
